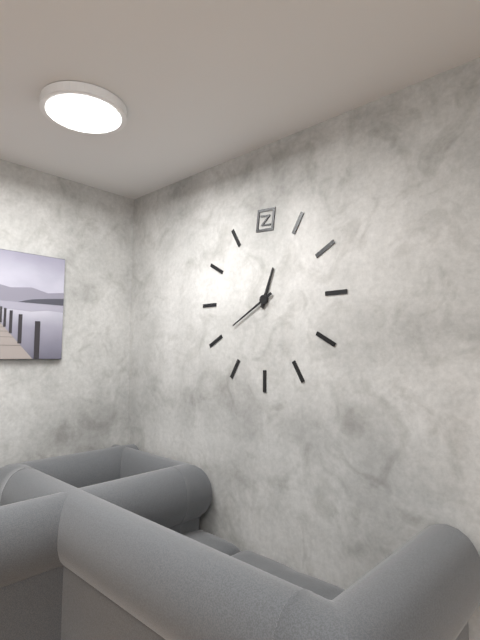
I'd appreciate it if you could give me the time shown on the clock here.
12:40
